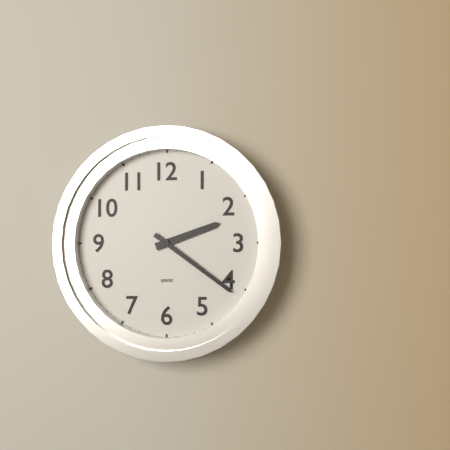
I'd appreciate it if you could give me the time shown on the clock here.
2:21
